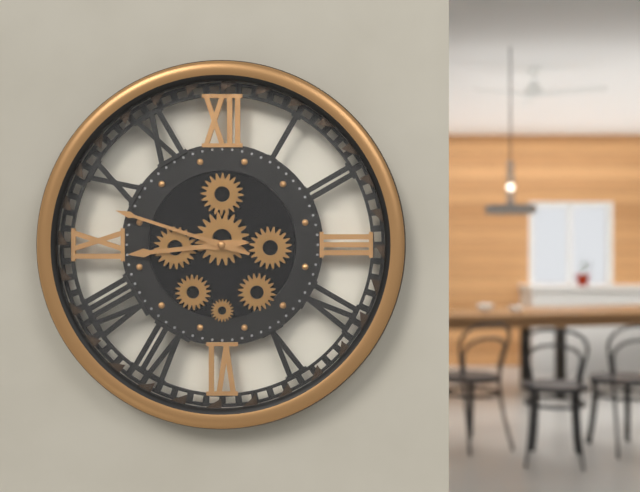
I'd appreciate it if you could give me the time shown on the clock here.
8:48
